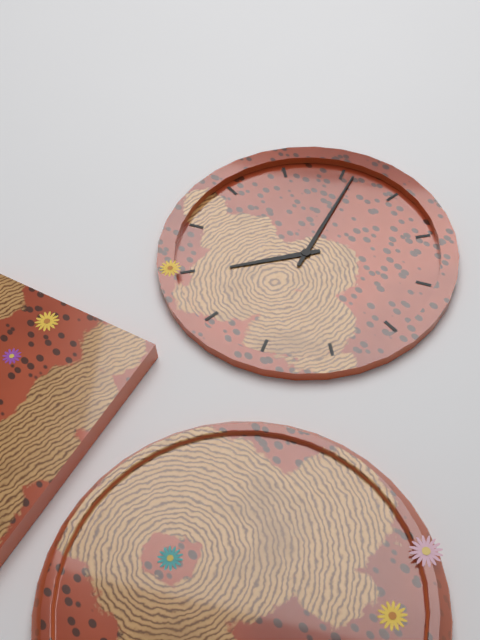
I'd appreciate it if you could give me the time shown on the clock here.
6:56
